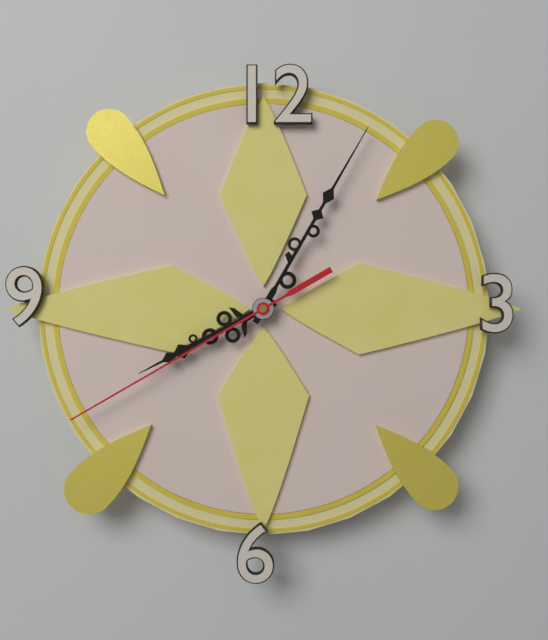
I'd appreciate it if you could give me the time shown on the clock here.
8:05:40
